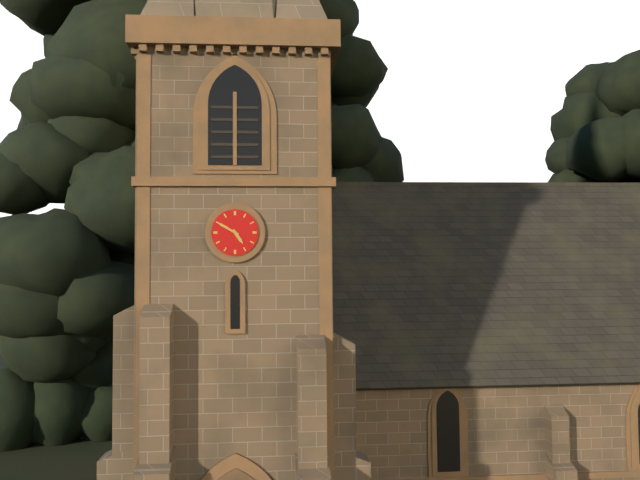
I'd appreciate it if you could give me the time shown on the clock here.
4:50
